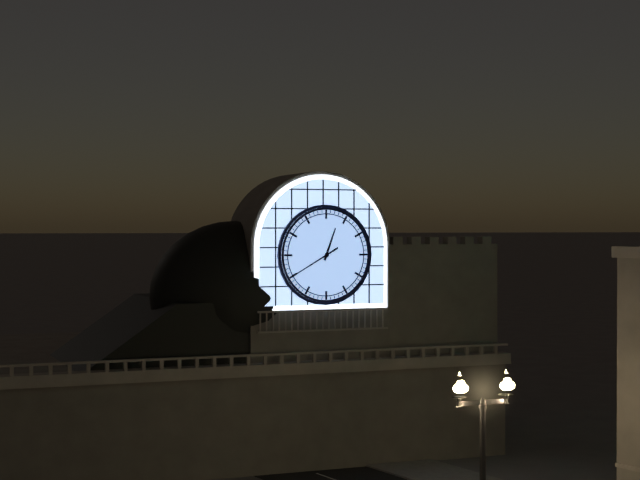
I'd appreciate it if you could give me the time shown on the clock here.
12:40
